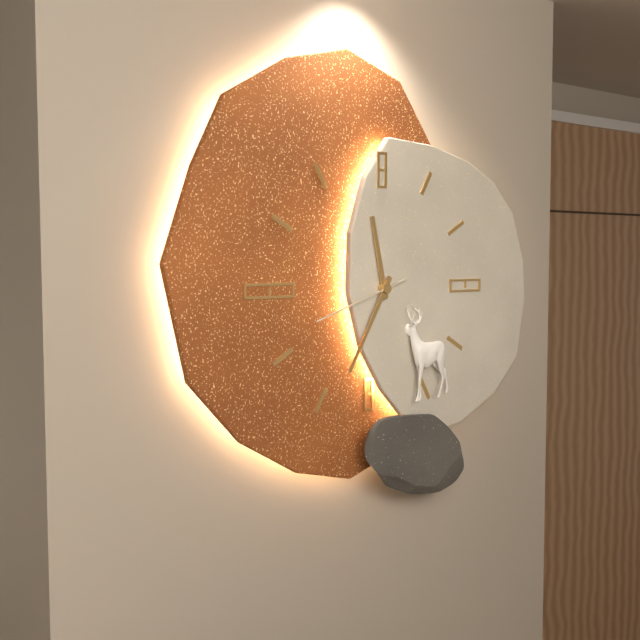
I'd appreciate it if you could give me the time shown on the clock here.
11:35:42
